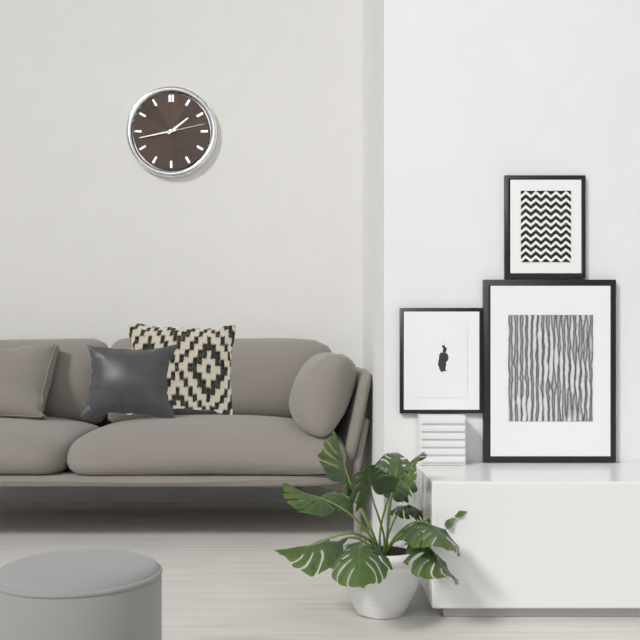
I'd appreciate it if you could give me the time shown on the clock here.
1:43
